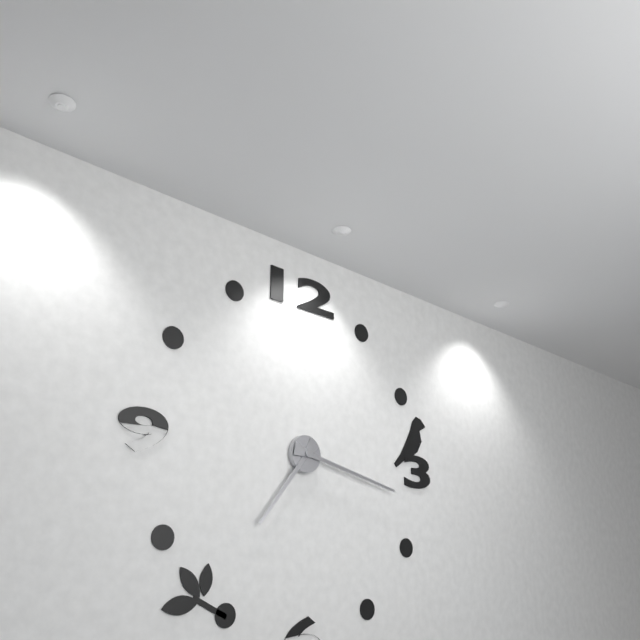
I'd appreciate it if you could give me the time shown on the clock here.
7:17
